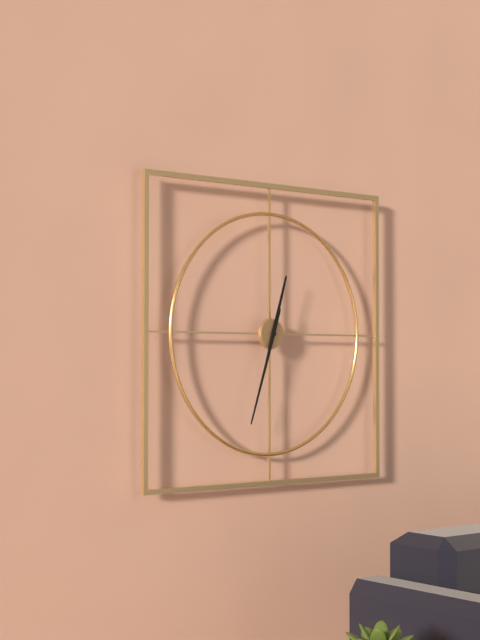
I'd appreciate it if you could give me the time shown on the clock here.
12:33
